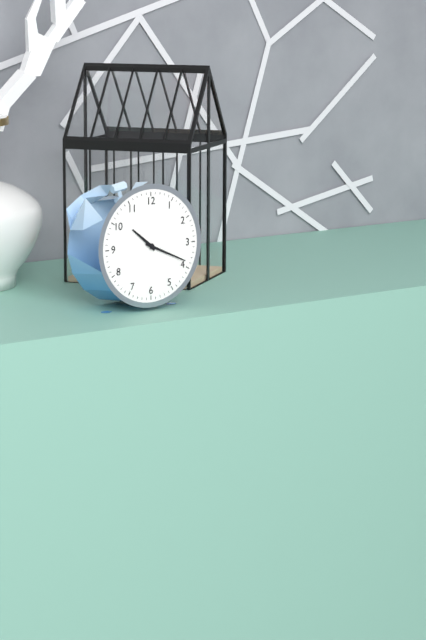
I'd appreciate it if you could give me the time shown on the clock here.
10:19
